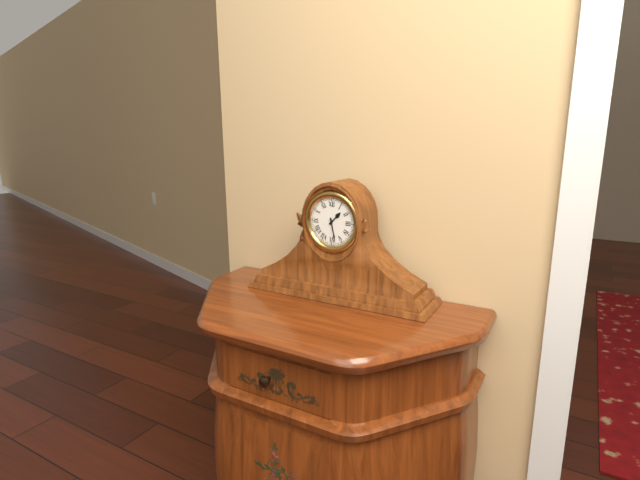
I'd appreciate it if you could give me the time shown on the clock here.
1:28
